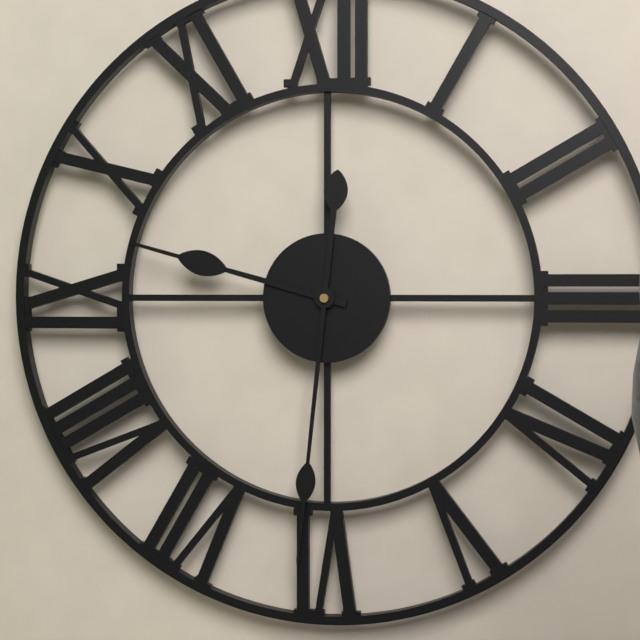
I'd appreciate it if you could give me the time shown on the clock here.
9:31
